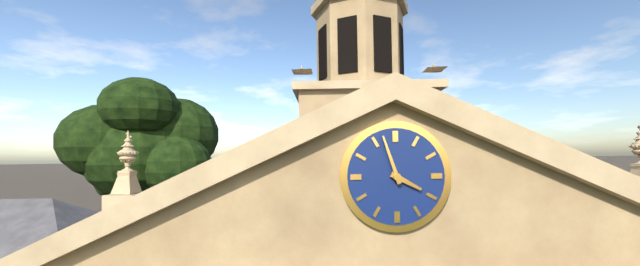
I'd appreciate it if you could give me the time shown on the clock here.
3:57
